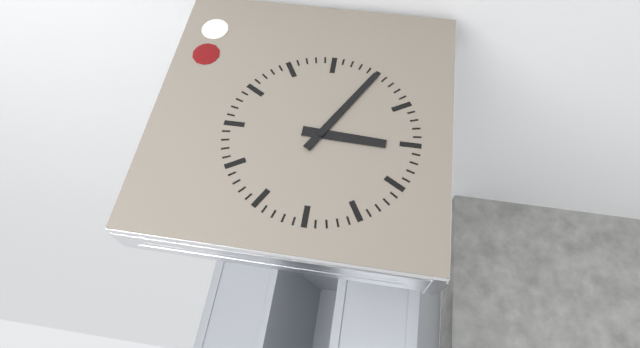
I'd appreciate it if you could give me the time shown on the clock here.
3:05
